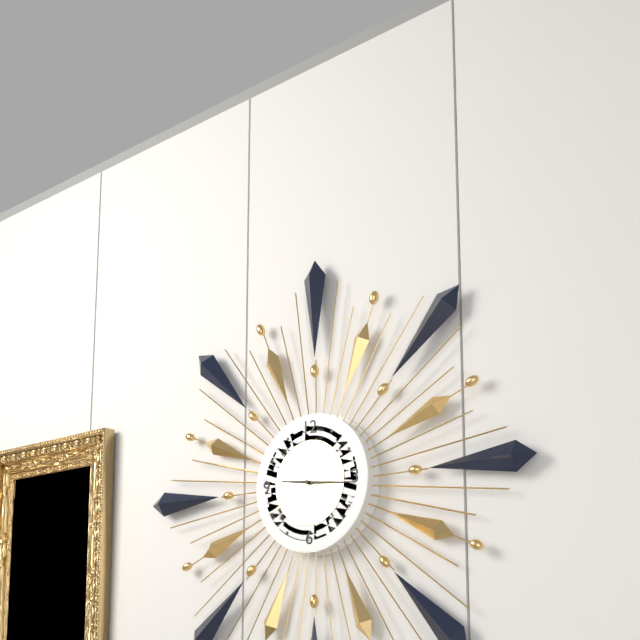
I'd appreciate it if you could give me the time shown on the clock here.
9:16:40
